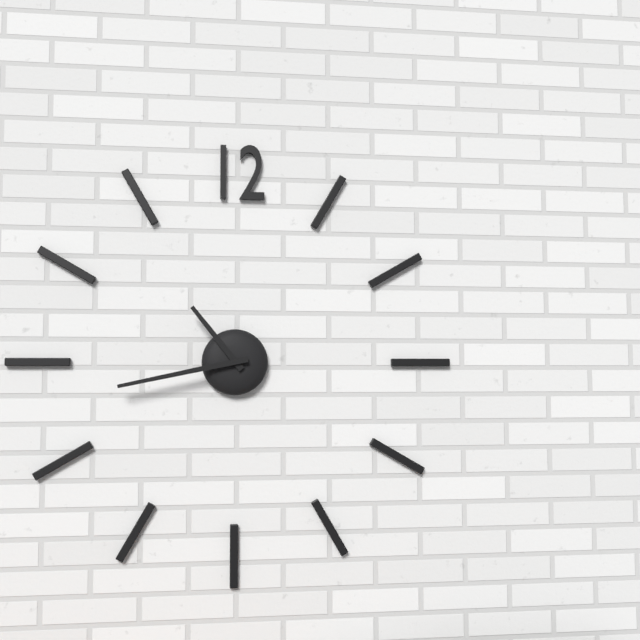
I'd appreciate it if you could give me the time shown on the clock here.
10:43
